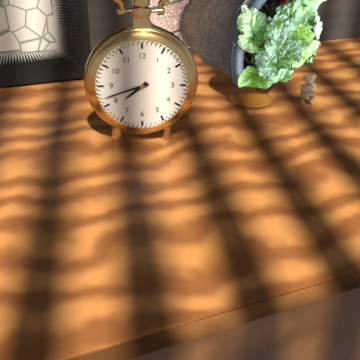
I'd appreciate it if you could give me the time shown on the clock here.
7:42
